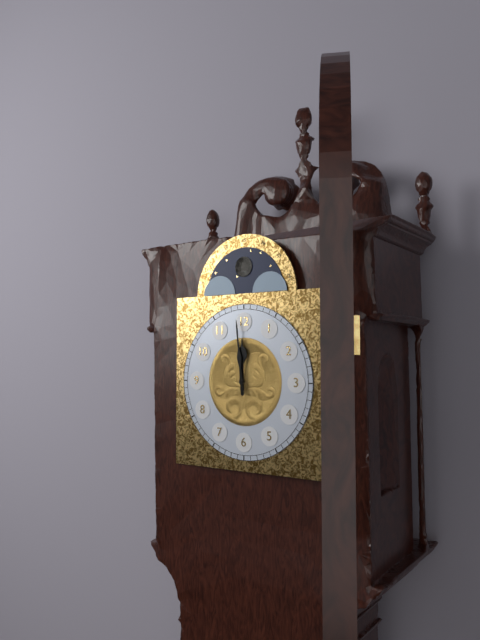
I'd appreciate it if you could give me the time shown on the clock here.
11:59
